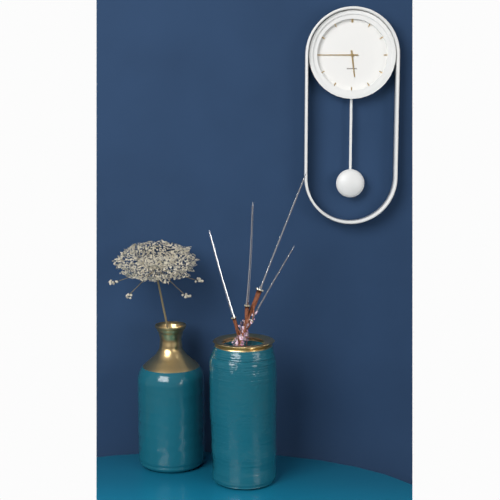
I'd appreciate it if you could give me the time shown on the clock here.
5:45
